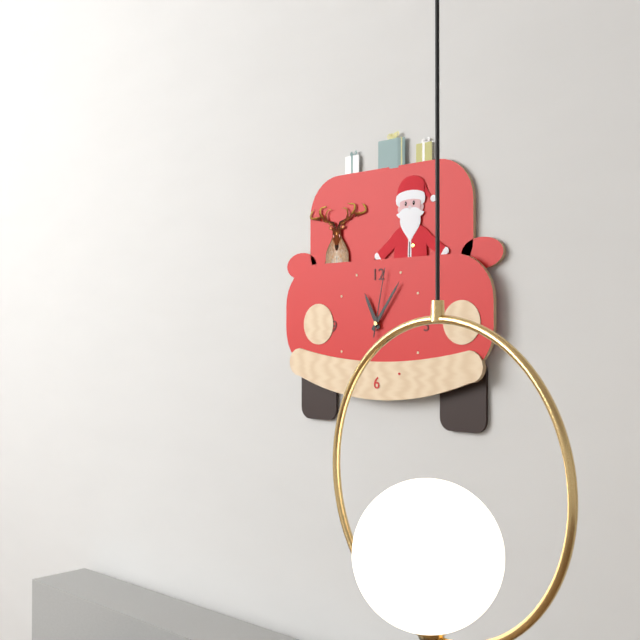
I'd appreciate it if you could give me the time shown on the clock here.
11:06:02
